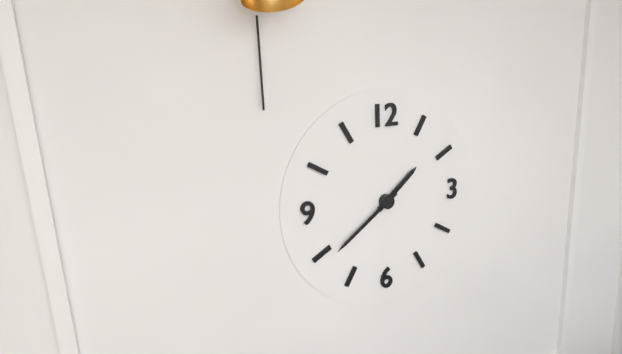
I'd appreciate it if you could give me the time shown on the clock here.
1:39
